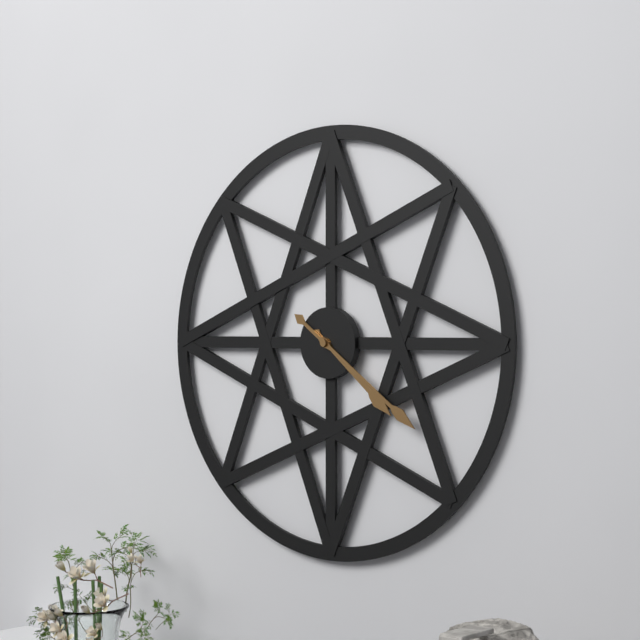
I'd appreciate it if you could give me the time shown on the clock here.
4:21
